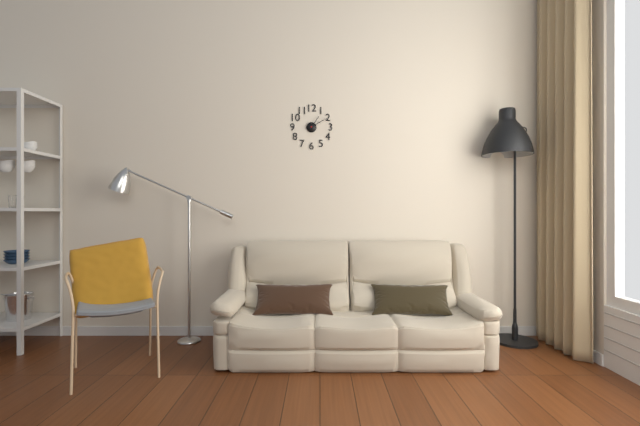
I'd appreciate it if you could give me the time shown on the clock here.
1:10
